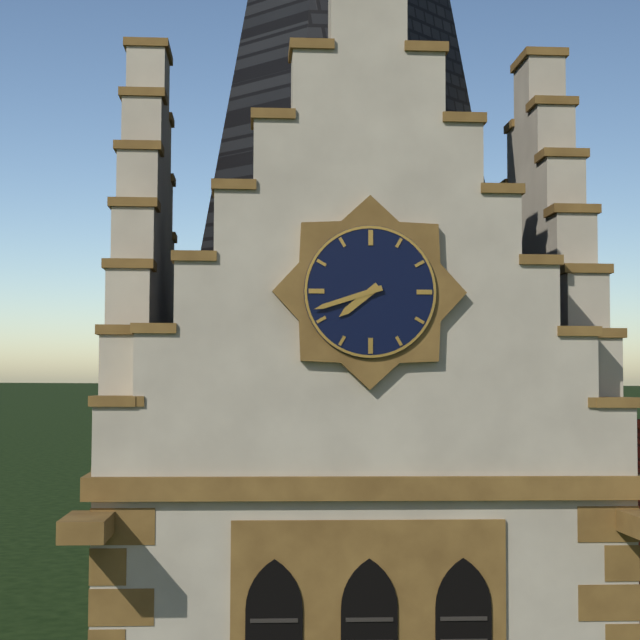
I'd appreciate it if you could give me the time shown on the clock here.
7:42
